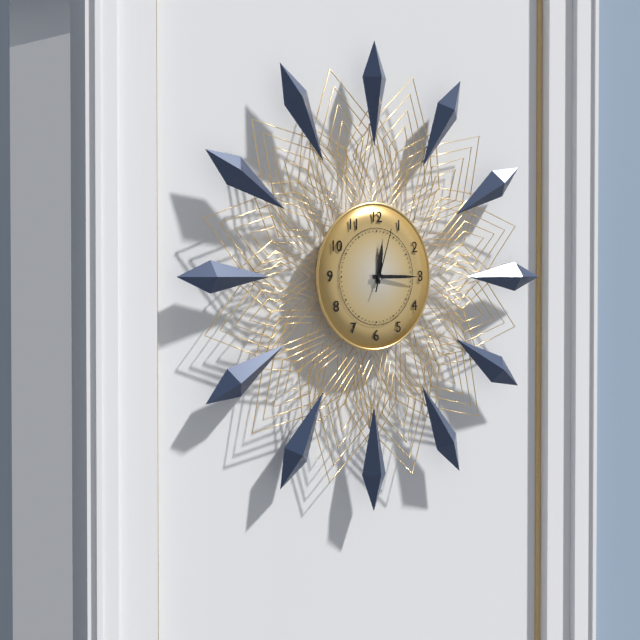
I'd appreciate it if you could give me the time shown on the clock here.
12:15:03
